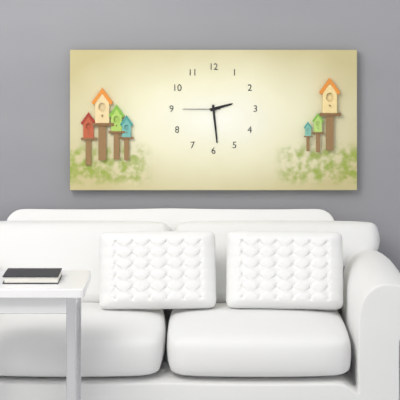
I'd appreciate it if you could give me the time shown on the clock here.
2:29
